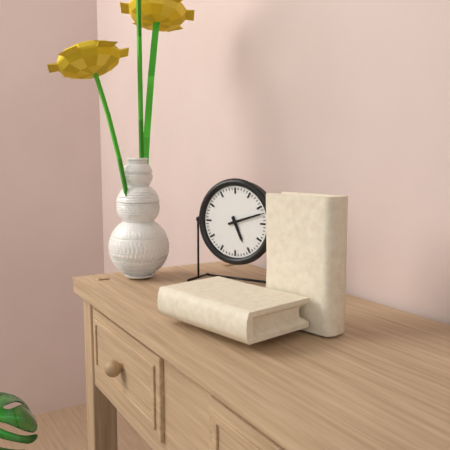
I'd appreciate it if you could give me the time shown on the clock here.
5:12
